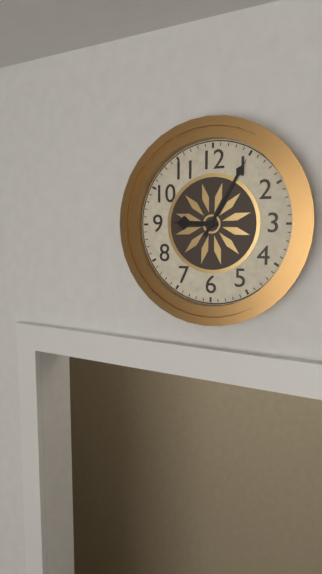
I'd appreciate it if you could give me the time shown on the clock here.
9:05
